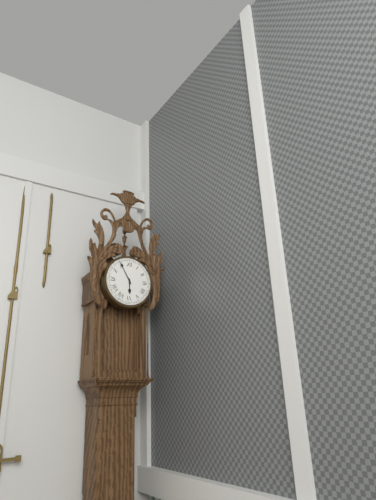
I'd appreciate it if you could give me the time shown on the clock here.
5:55
